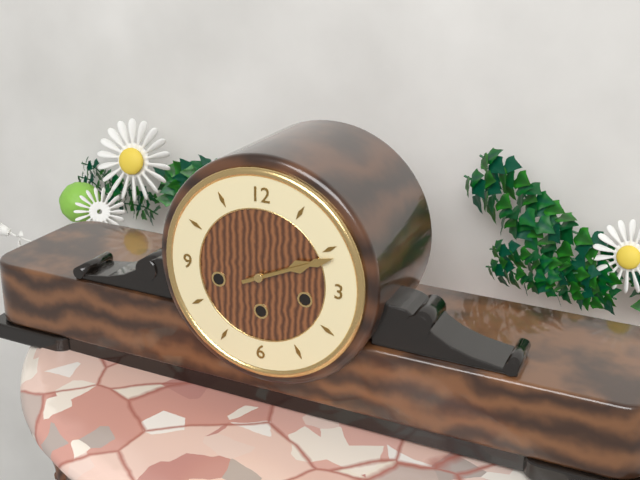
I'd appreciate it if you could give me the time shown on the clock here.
2:11
